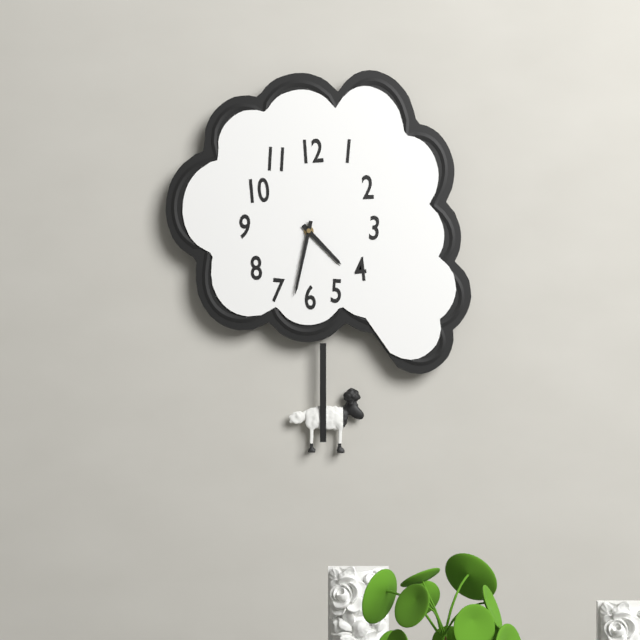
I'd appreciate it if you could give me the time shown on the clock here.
4:32
